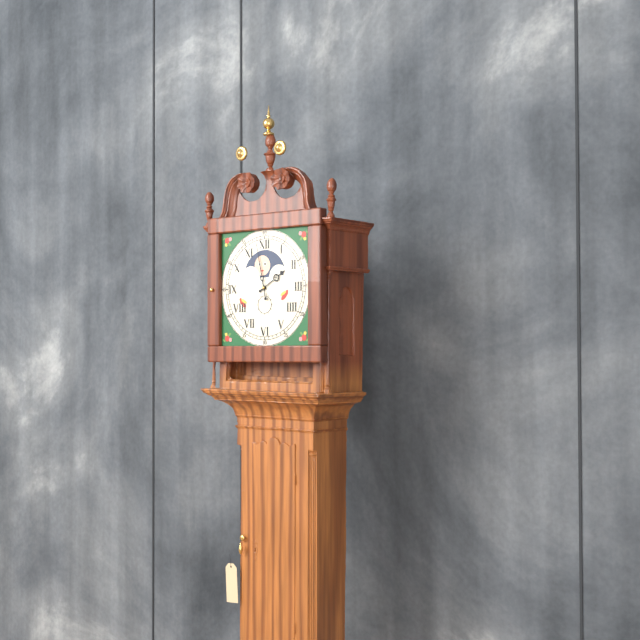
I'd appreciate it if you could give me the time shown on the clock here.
1:58
